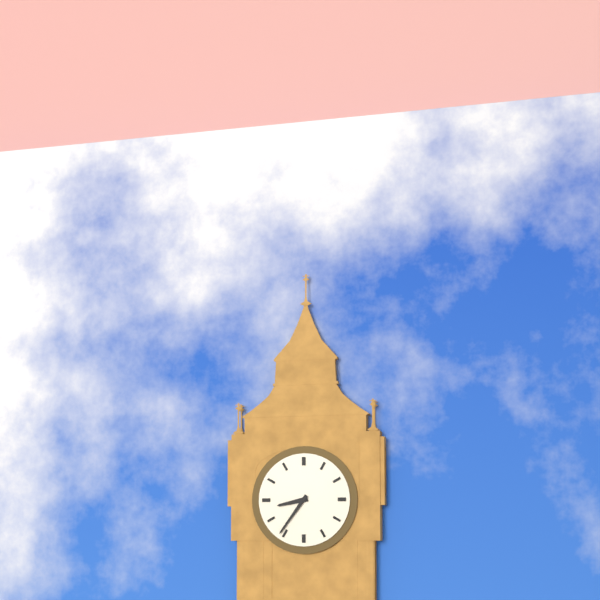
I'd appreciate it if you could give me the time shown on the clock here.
8:36
